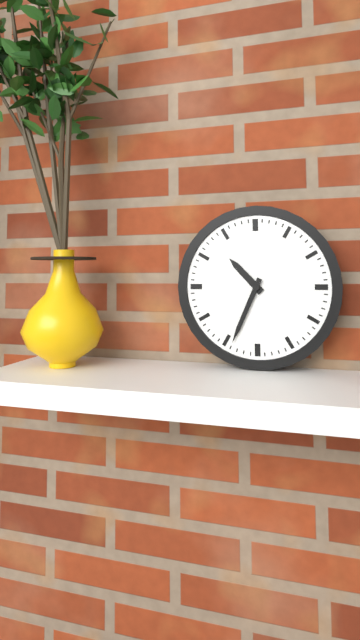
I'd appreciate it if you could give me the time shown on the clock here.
10:34
